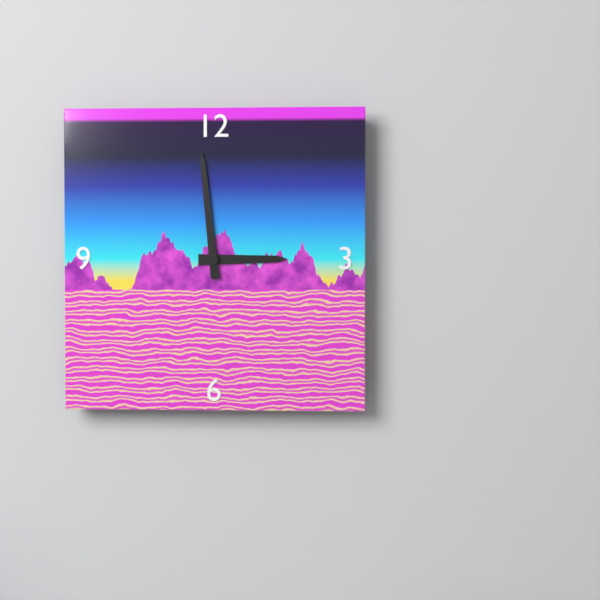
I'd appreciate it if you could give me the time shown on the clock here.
2:59
